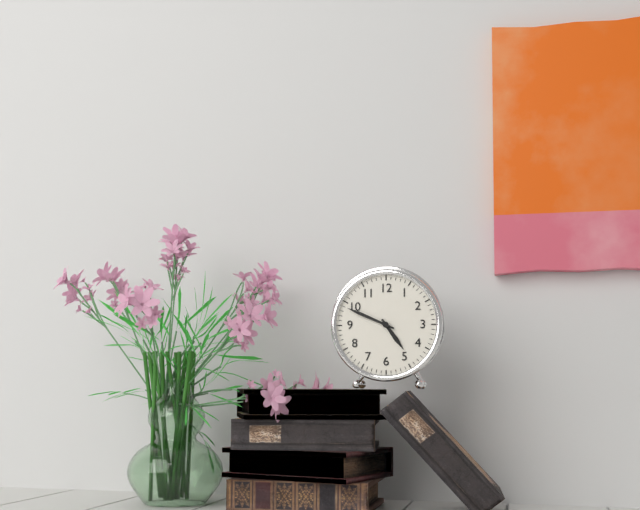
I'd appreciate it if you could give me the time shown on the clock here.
4:49
